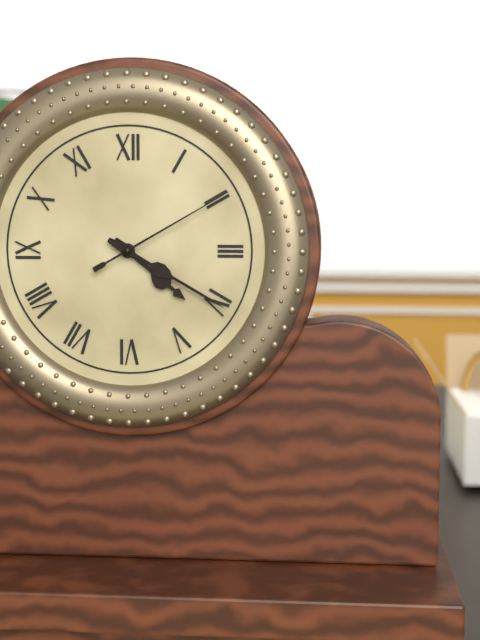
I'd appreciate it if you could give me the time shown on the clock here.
4:20:10
